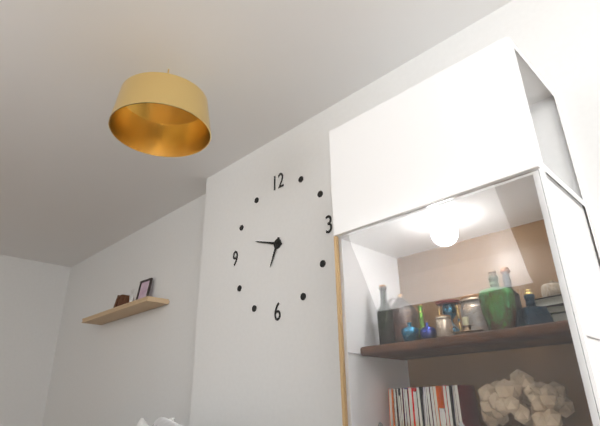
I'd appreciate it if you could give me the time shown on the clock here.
6:48
